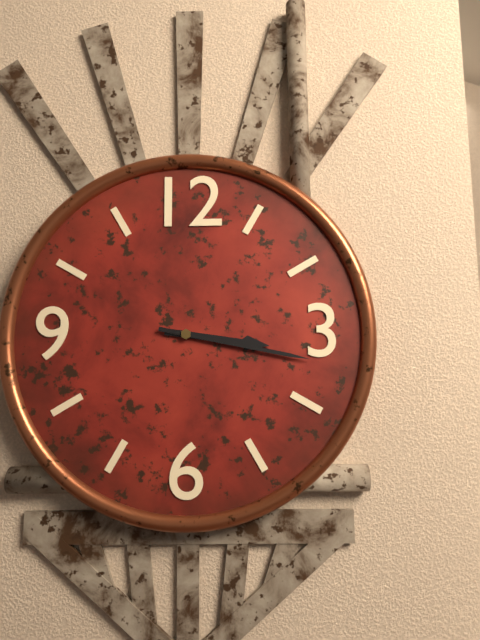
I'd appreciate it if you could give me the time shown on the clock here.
3:17
